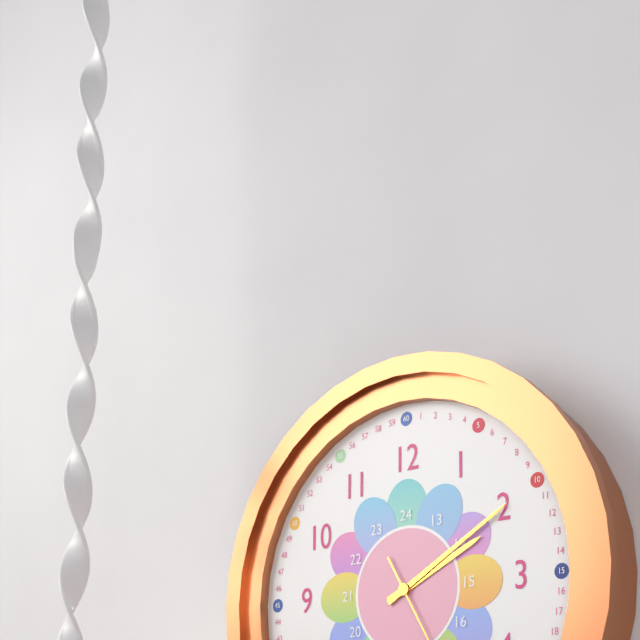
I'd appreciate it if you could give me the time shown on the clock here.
2:10
